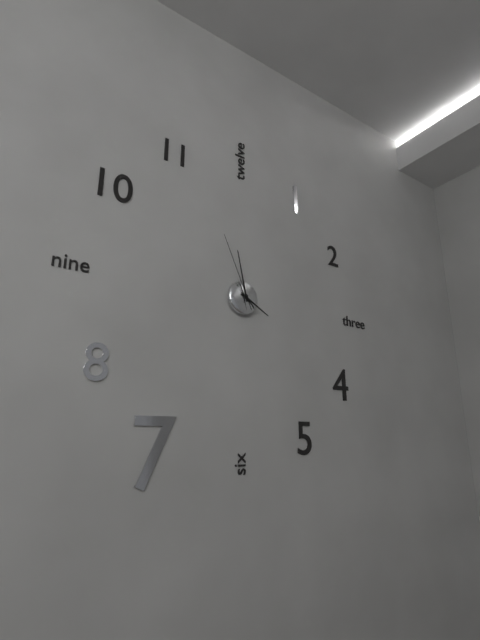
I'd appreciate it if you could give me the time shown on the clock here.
3:58:56
